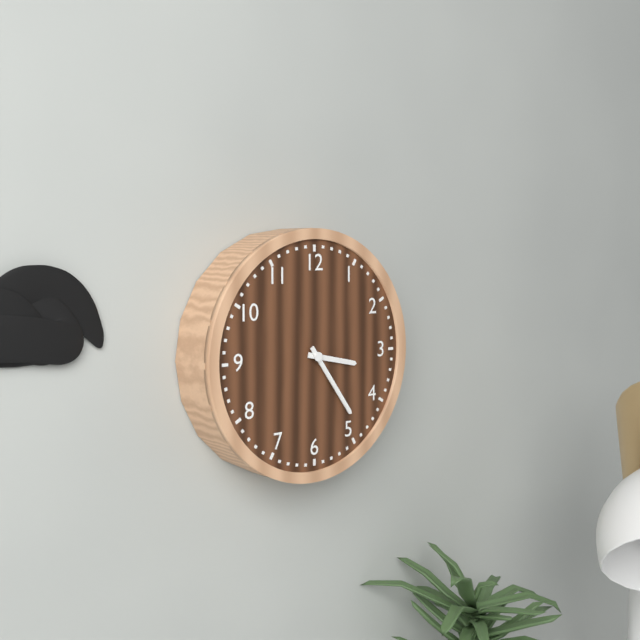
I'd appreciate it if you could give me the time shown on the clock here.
3:24
